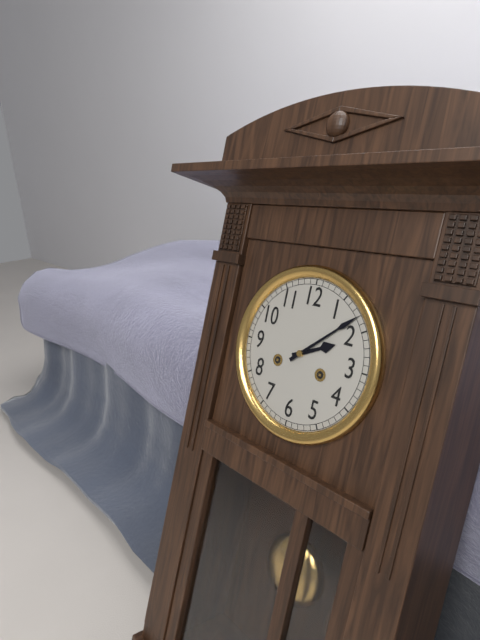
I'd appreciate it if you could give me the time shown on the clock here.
2:08
